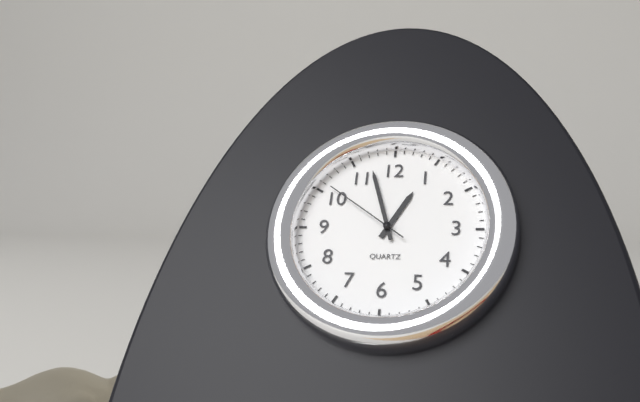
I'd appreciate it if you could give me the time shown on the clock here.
12:57:51
